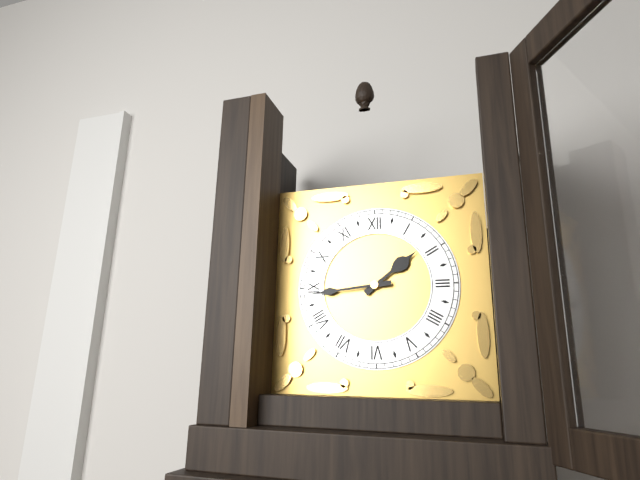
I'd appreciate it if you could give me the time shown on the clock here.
1:44
